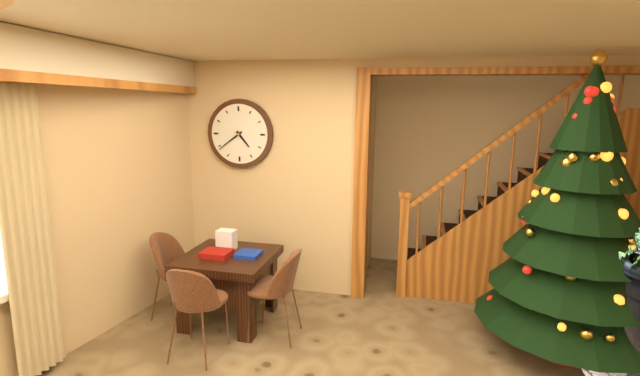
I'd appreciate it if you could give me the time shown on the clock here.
4:39
